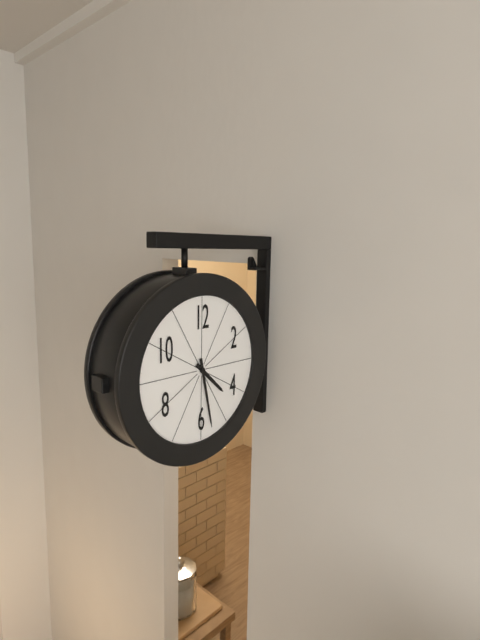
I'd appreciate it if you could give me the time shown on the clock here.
4:28
